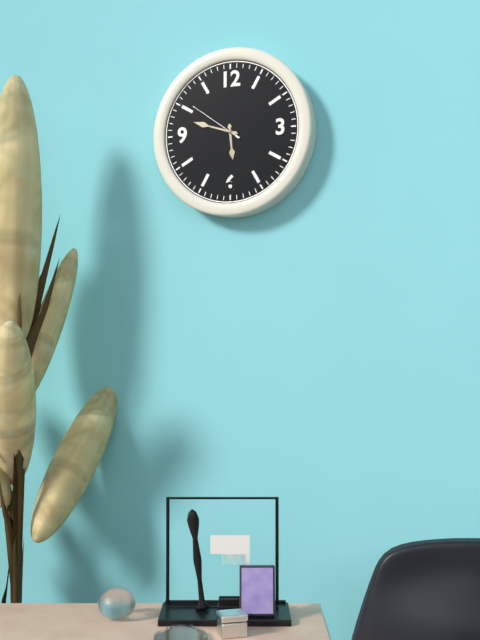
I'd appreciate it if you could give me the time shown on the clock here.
5:48:51
